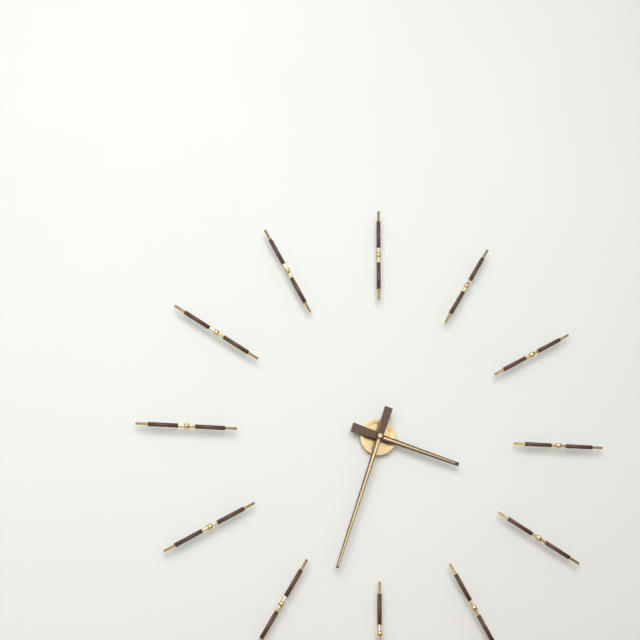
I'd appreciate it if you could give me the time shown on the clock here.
3:33
